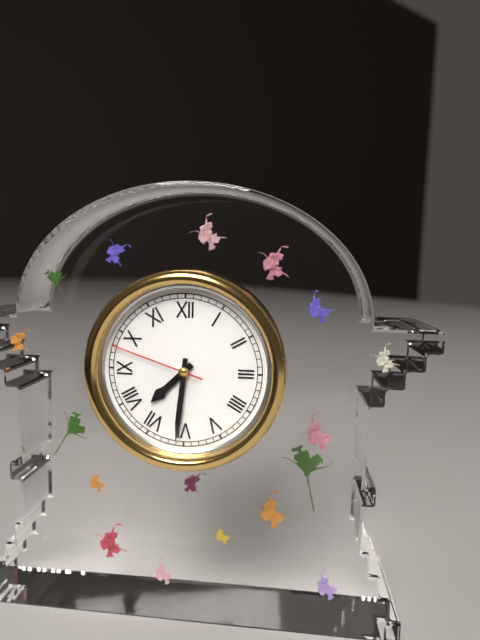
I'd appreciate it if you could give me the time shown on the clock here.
7:31:48
